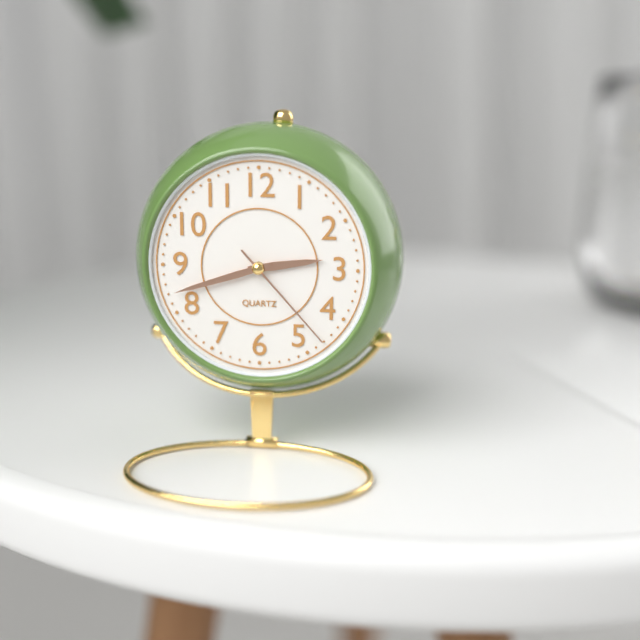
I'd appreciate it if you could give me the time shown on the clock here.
2:42:23
